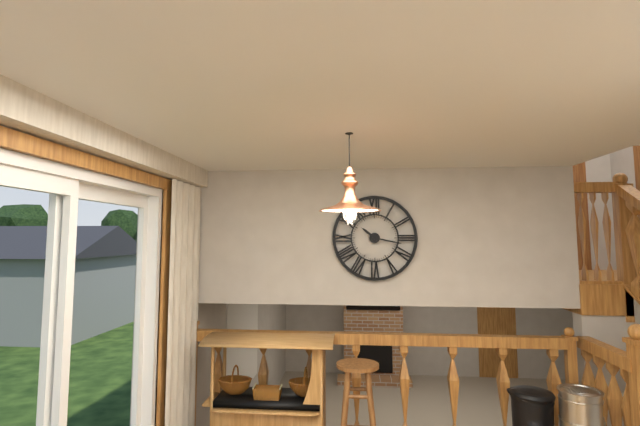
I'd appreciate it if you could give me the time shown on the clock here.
10:17
